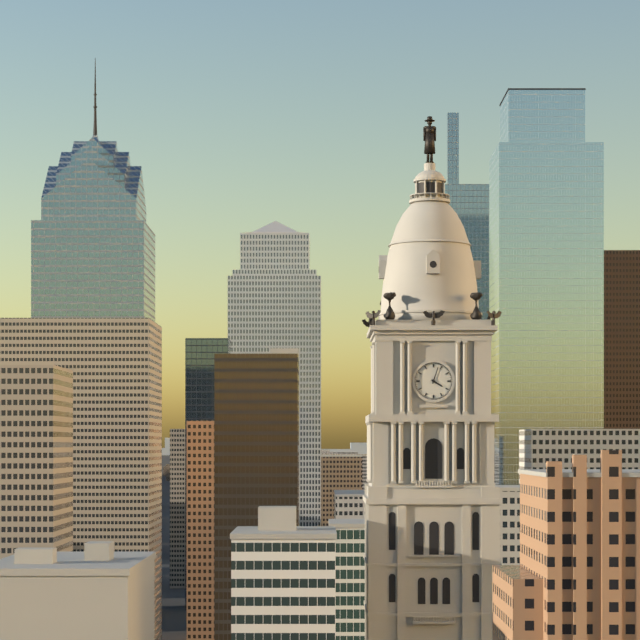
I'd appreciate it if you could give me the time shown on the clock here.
4:03
